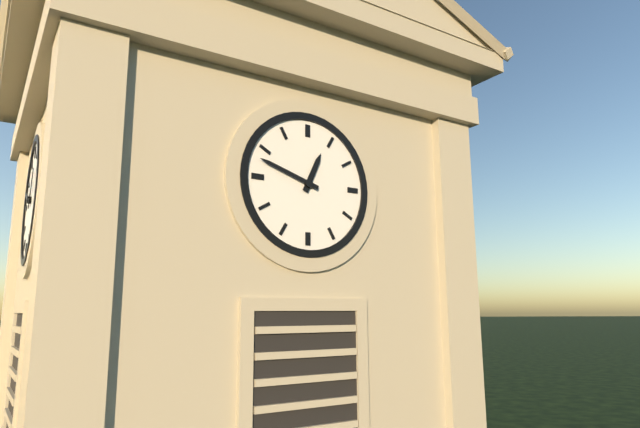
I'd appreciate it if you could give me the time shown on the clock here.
12:48
